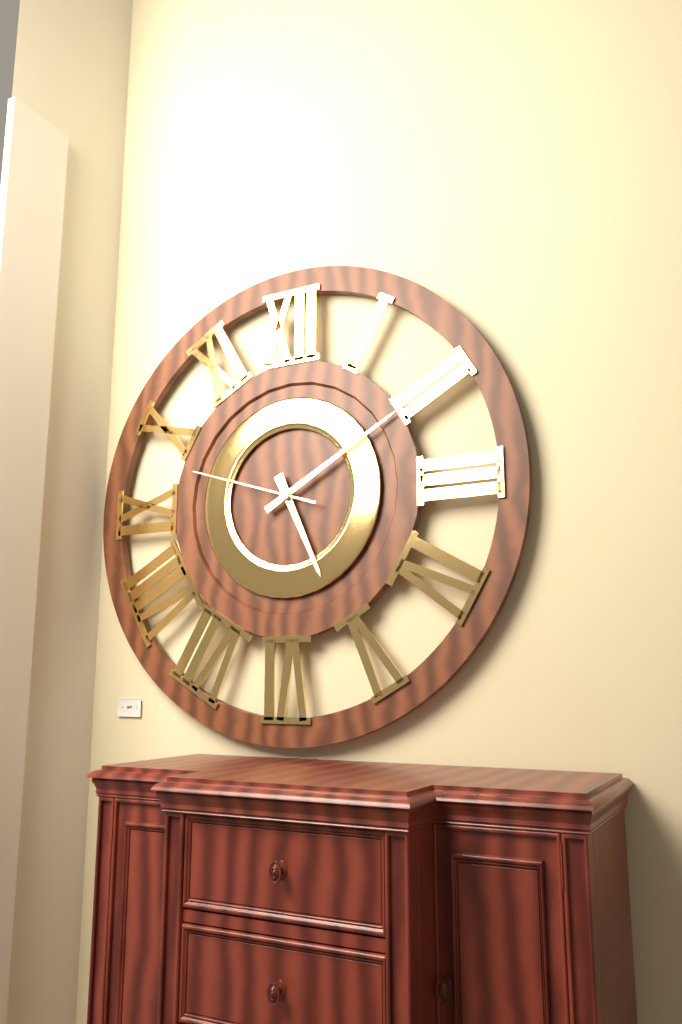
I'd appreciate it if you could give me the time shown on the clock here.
5:10:48
